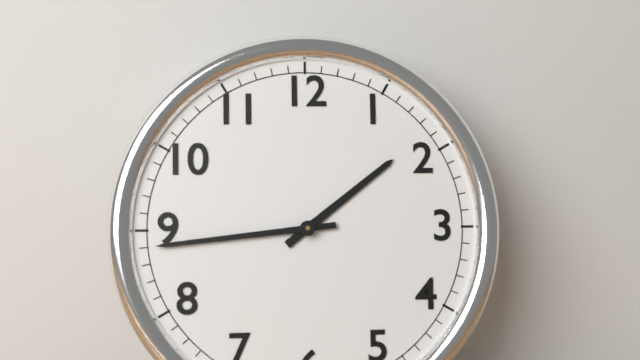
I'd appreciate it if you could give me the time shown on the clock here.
1:44
